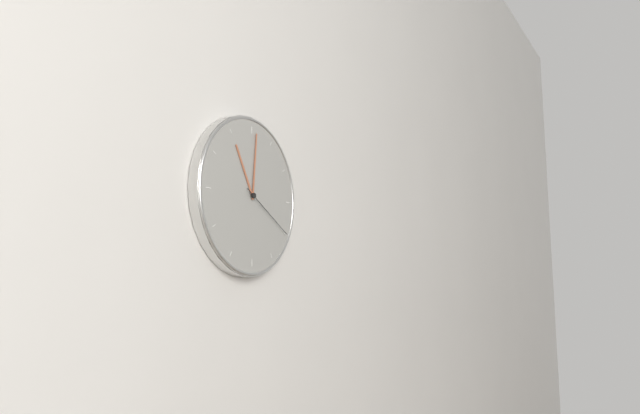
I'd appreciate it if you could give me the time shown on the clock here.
11:01:20
